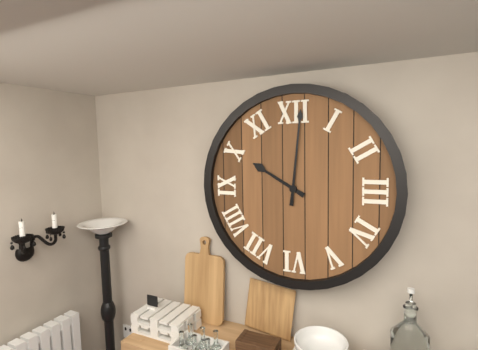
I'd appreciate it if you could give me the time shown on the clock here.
10:01
